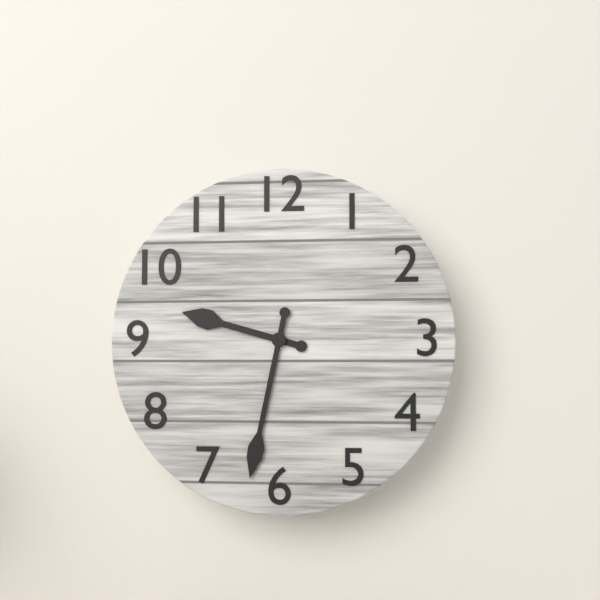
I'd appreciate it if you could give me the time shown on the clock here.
9:32
